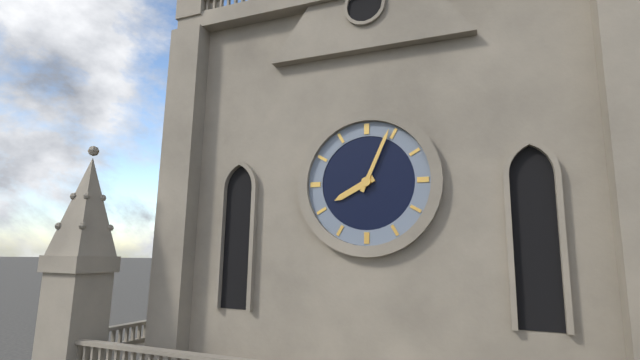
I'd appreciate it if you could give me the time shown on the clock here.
8:04
